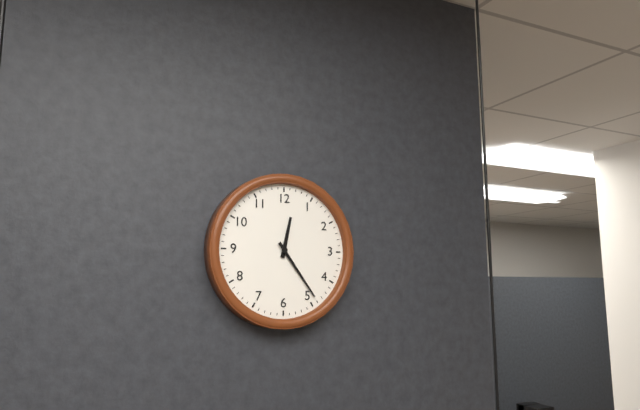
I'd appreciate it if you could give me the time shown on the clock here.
12:24
